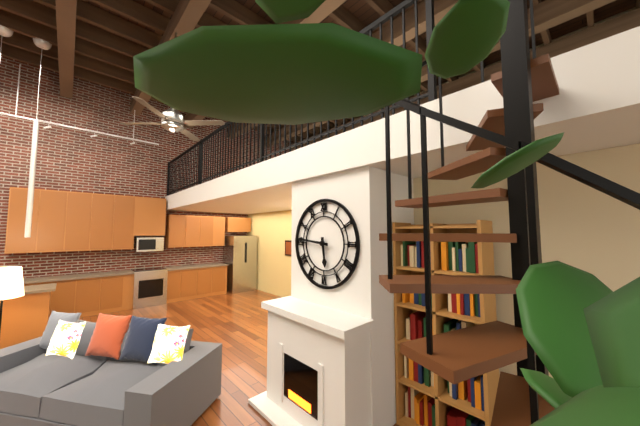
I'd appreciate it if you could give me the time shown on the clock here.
5:46
